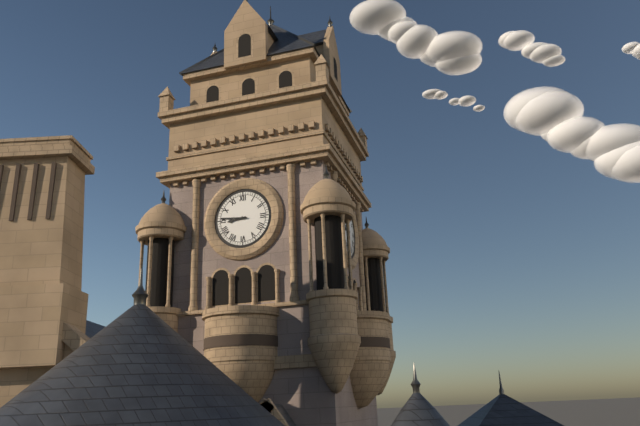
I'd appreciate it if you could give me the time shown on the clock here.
8:46
